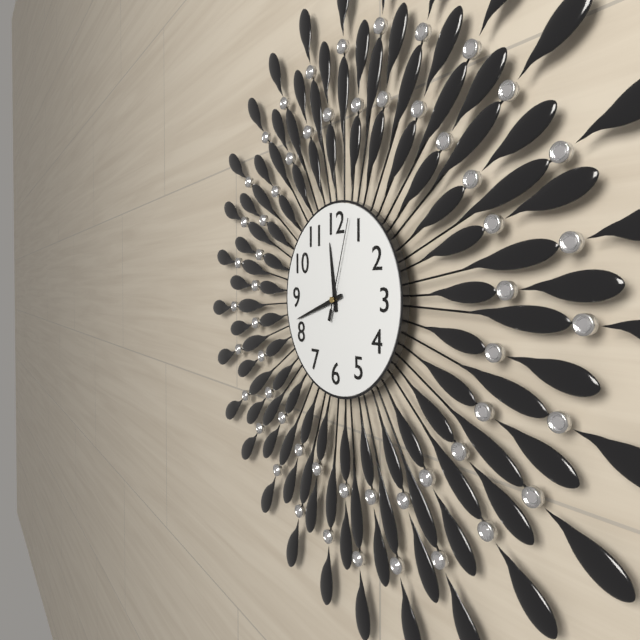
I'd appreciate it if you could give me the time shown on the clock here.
11:42:03
